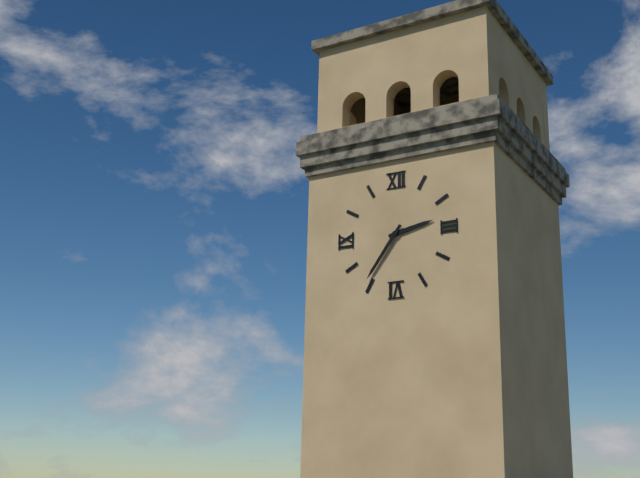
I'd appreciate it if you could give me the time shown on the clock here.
2:36
